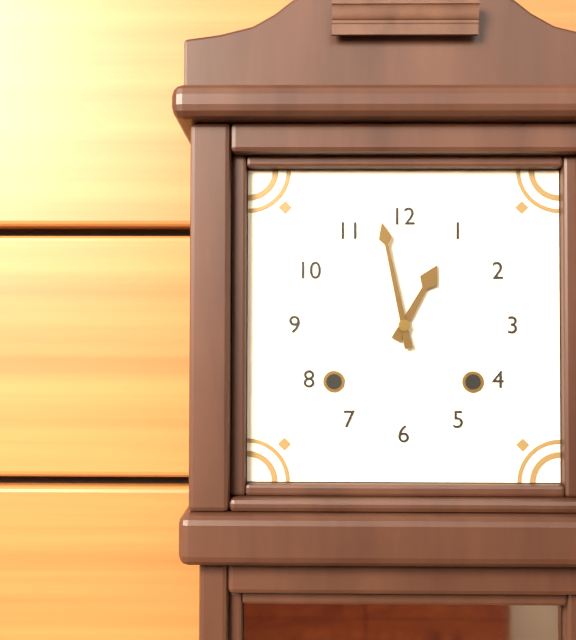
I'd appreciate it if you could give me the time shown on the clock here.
12:58
